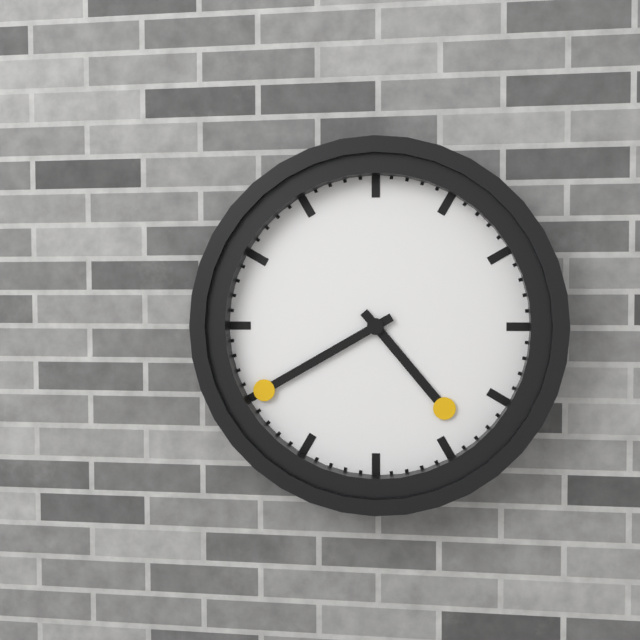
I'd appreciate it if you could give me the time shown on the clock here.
4:40
